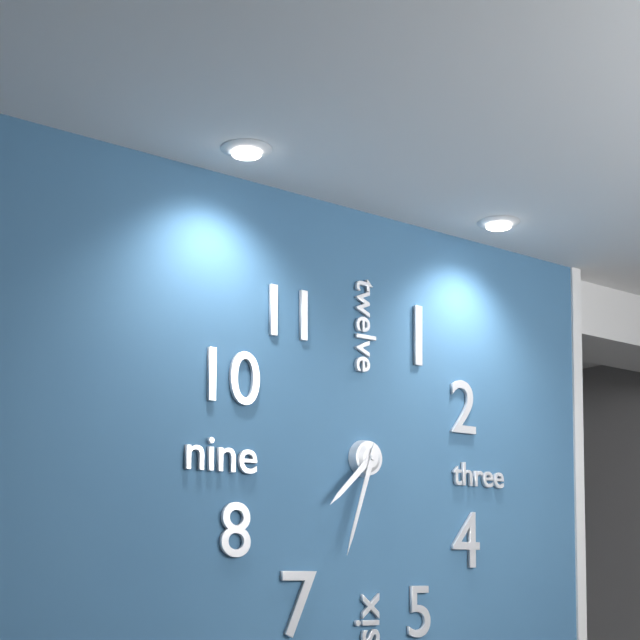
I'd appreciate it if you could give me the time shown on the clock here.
7:33
